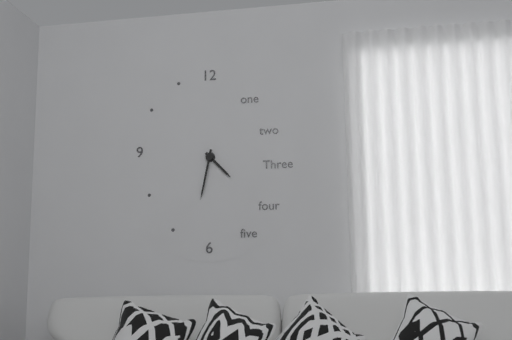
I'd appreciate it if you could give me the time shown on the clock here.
4:32
